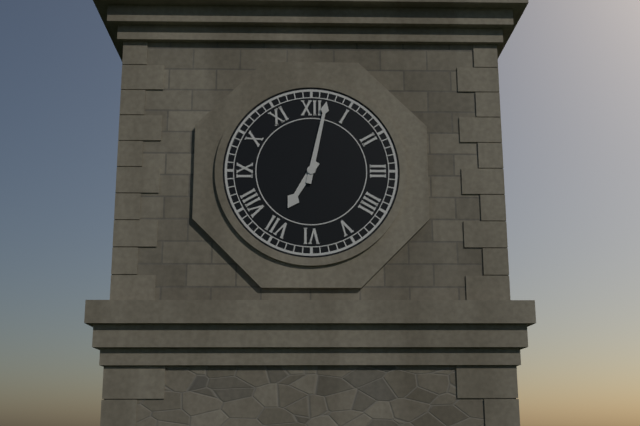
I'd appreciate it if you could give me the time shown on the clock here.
7:02
